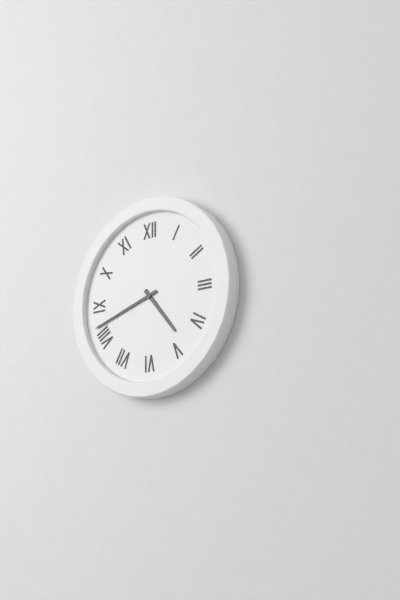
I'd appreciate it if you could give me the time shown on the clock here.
4:42
